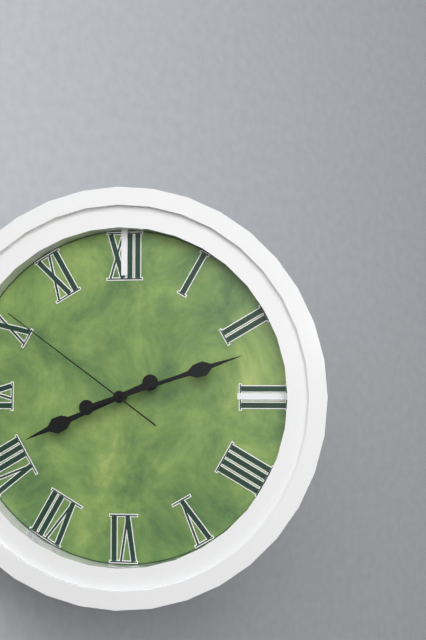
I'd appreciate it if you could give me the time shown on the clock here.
8:12:51
